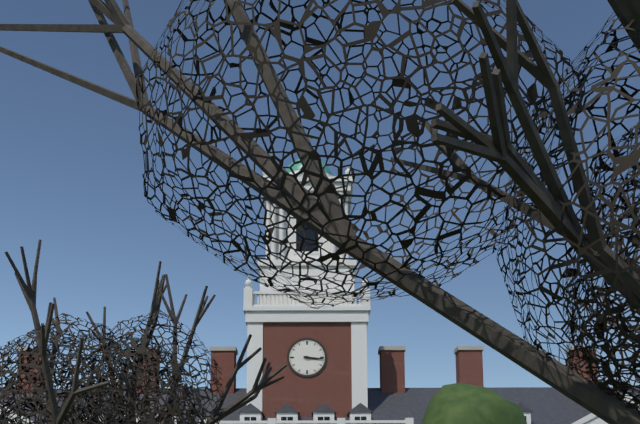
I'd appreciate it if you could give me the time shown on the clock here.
3:16
